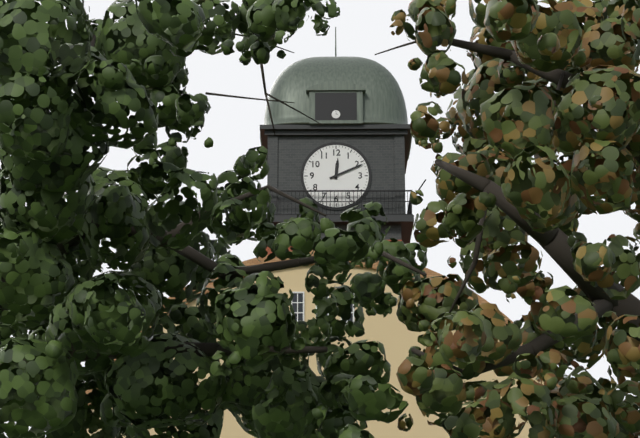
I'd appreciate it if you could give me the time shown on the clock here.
12:11
